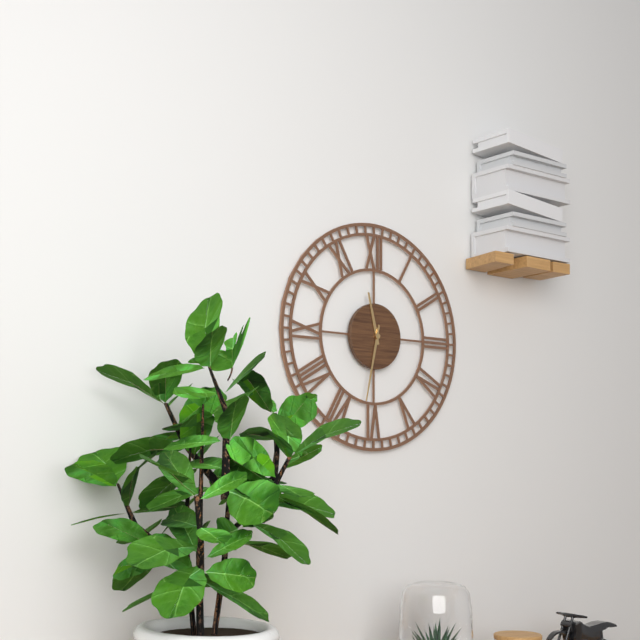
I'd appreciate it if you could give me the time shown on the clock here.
11:32
